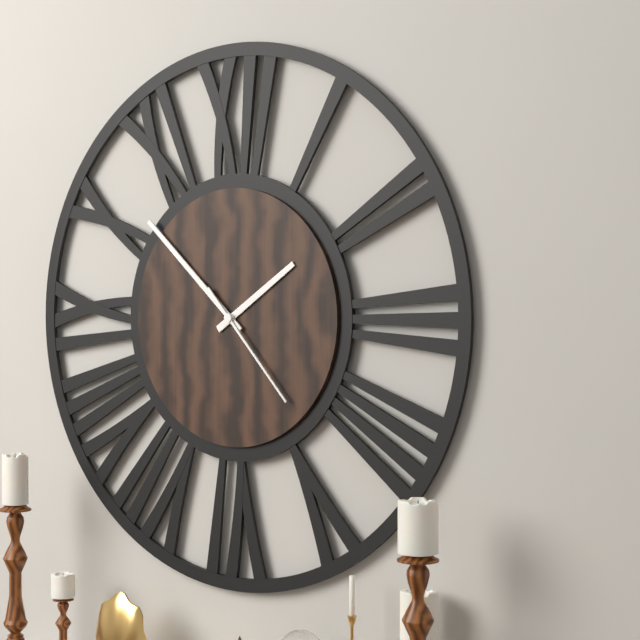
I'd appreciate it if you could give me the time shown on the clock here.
1:52:23
